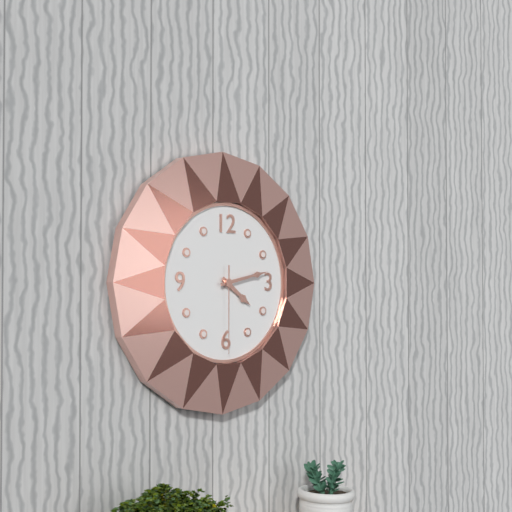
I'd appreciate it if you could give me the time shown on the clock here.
4:13:30
